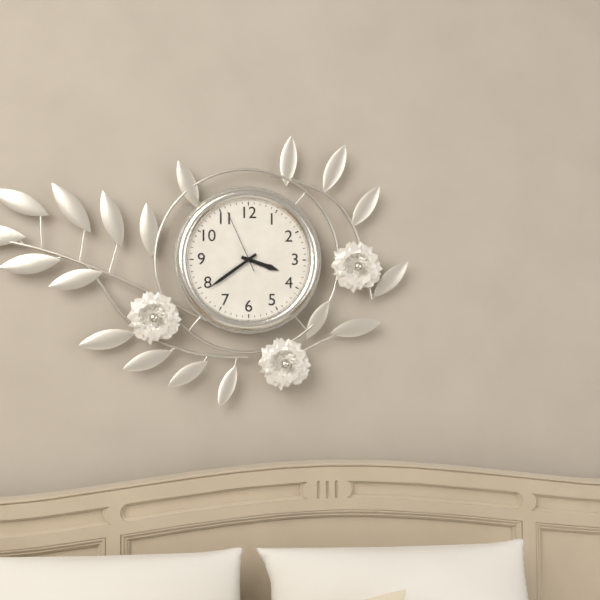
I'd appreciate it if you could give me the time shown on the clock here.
3:39:56
